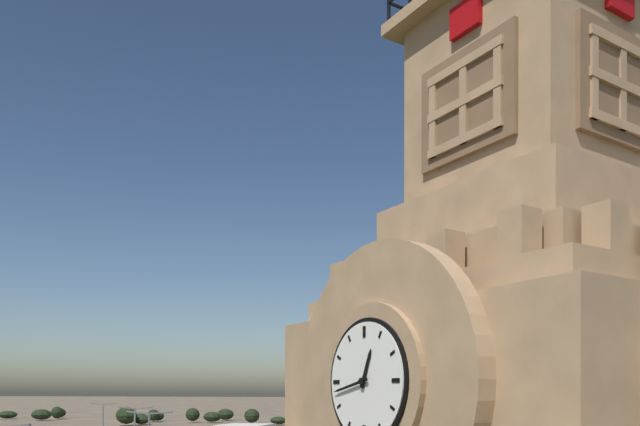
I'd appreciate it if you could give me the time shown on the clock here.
12:43
